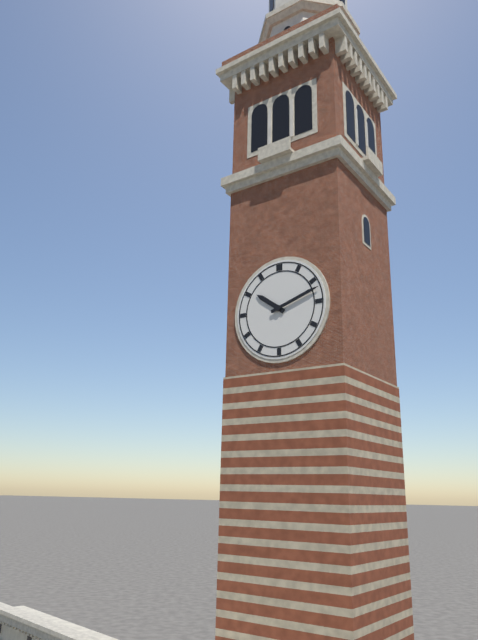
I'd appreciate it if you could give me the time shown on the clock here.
10:12
